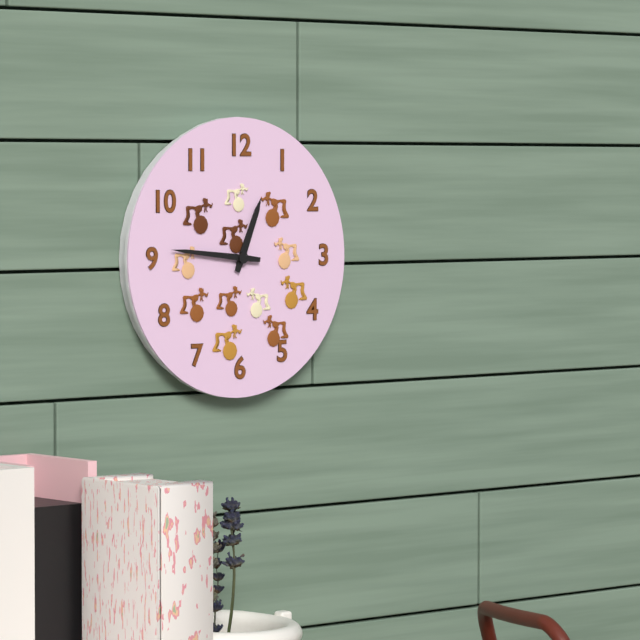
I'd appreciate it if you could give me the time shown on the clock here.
12:46
